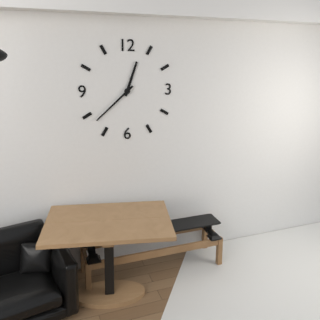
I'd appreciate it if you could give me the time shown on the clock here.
12:38
